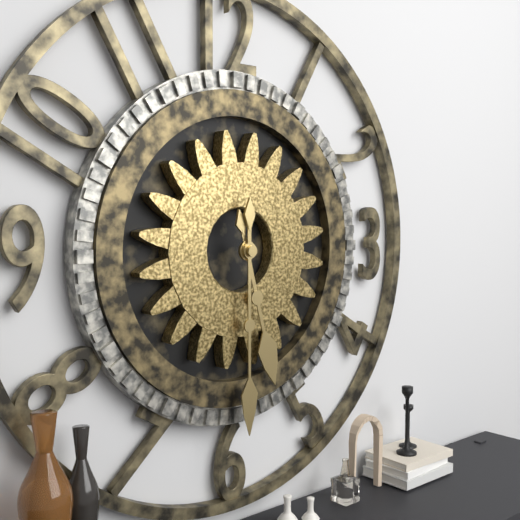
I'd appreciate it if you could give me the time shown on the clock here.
5:30
